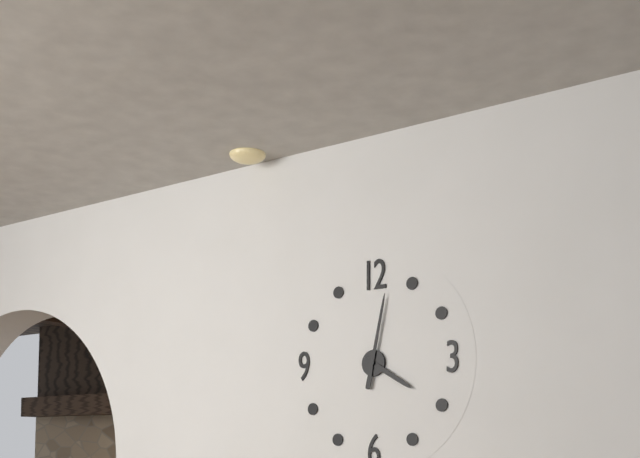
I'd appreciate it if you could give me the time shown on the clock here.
4:02
